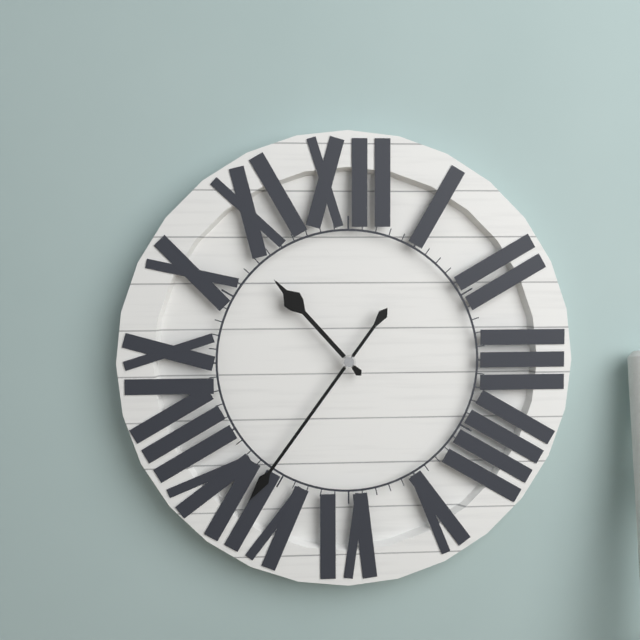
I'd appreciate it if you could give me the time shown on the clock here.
10:36
